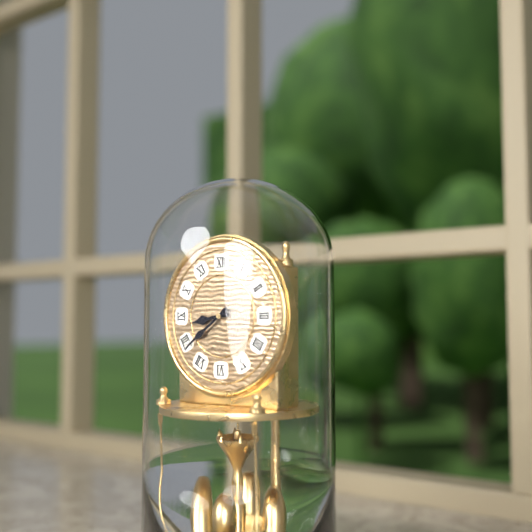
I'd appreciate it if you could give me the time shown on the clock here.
8:39
